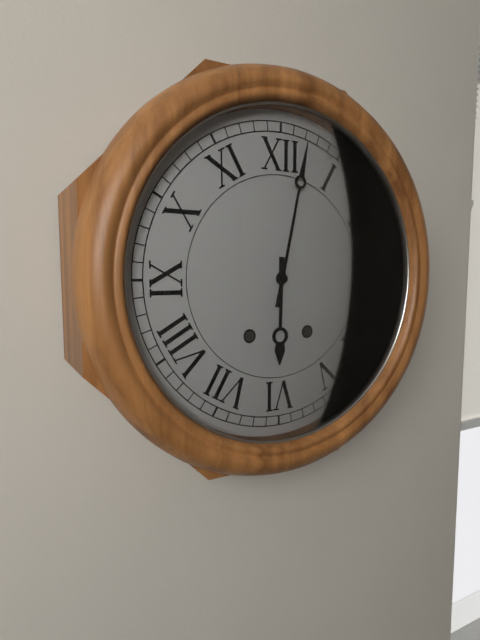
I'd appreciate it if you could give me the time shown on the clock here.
6:02
